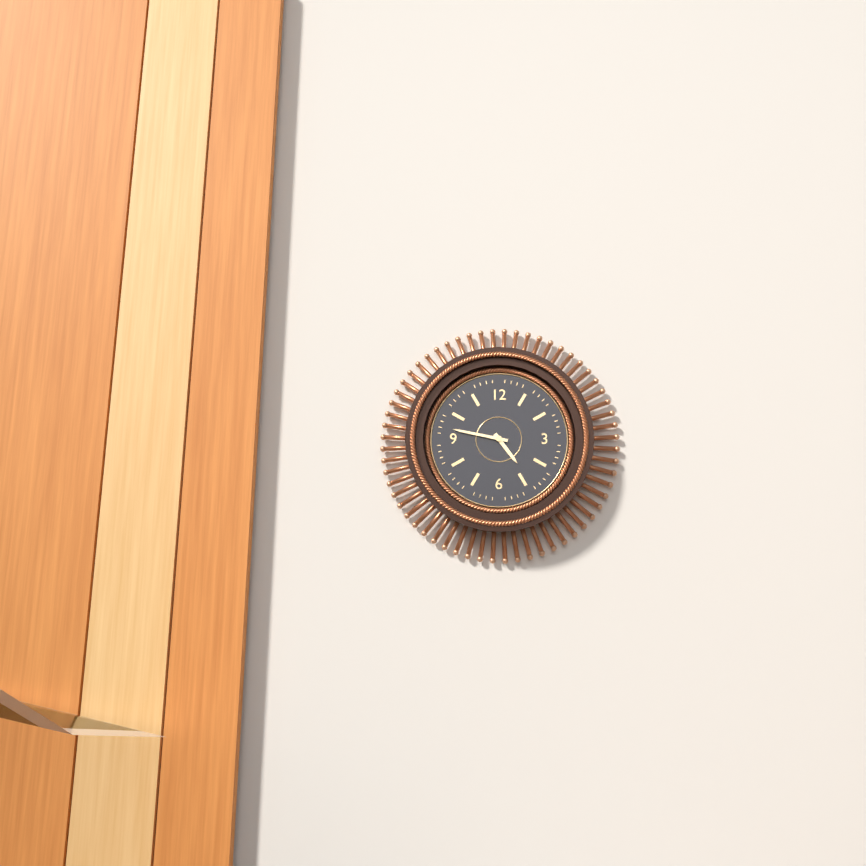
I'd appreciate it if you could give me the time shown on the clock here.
4:47
